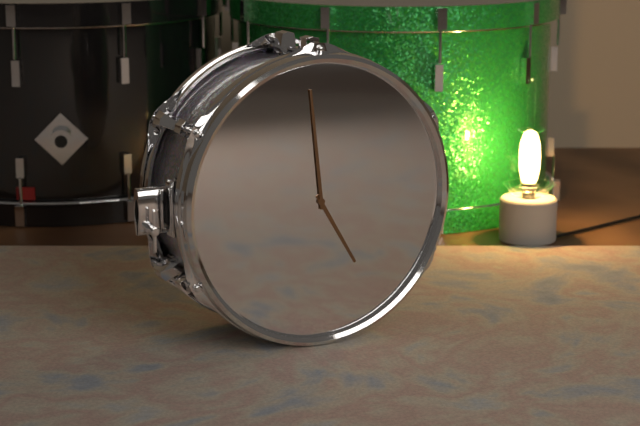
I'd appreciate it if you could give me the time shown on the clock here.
4:59
